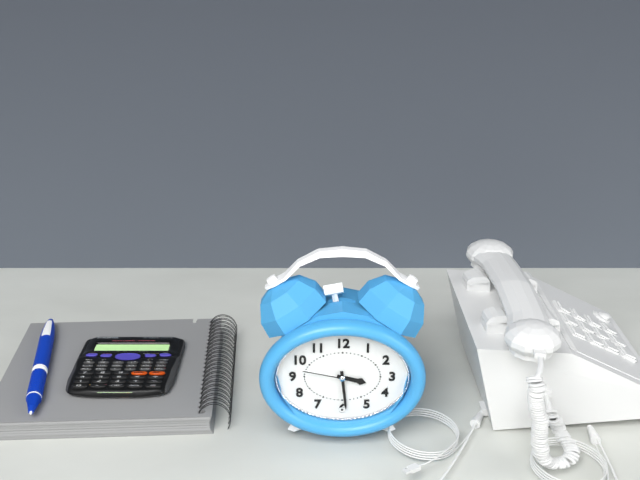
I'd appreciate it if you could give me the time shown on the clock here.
3:29:47
